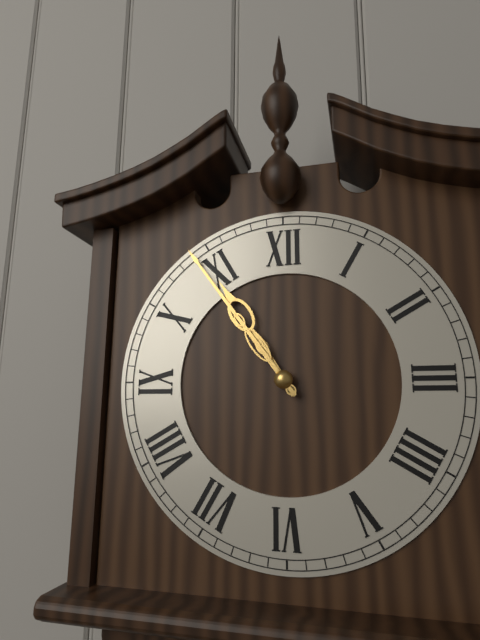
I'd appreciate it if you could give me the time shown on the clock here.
10:54
